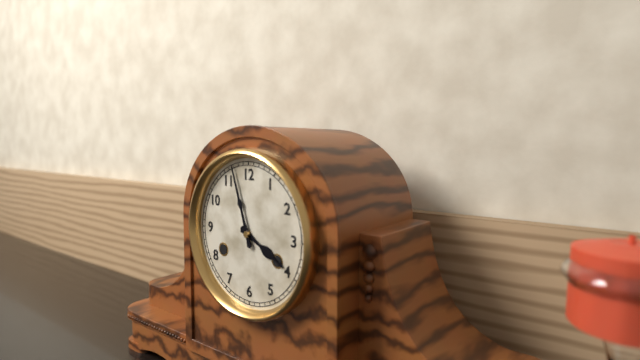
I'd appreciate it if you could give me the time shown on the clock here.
3:57
